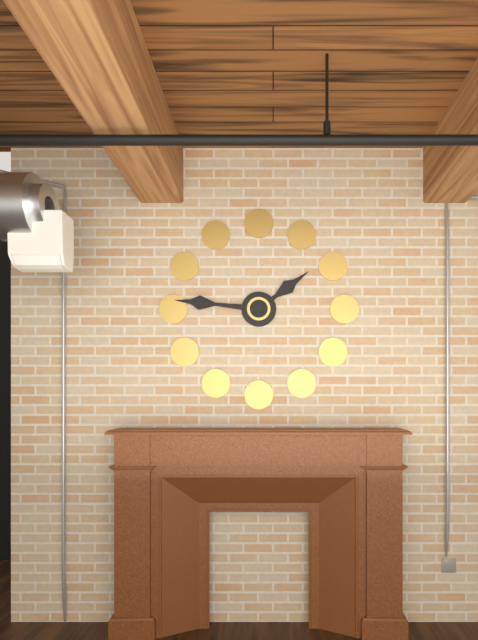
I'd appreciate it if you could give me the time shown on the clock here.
1:46
